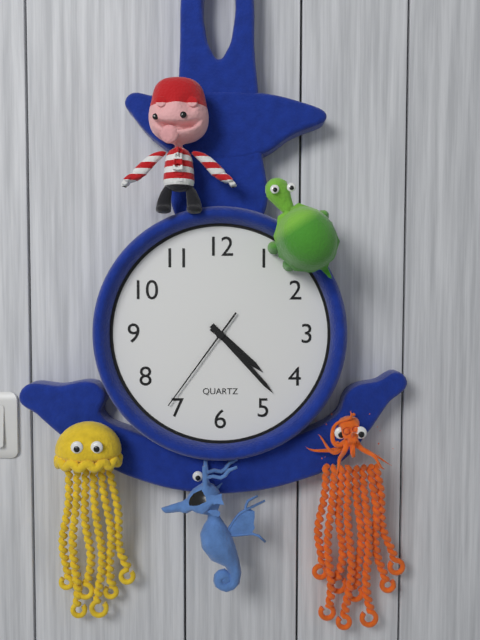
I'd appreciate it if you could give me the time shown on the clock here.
4:23:36
